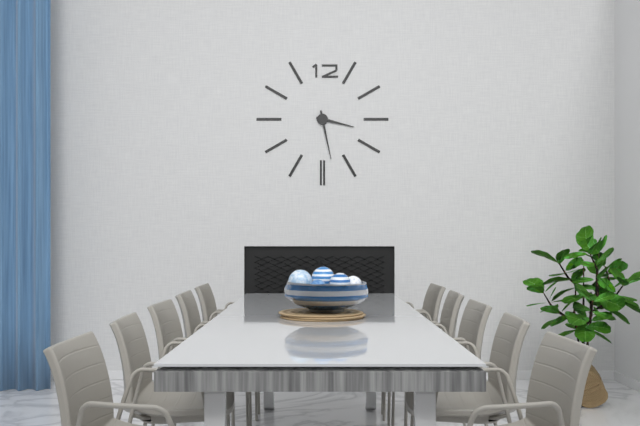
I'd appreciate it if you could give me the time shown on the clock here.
3:28
